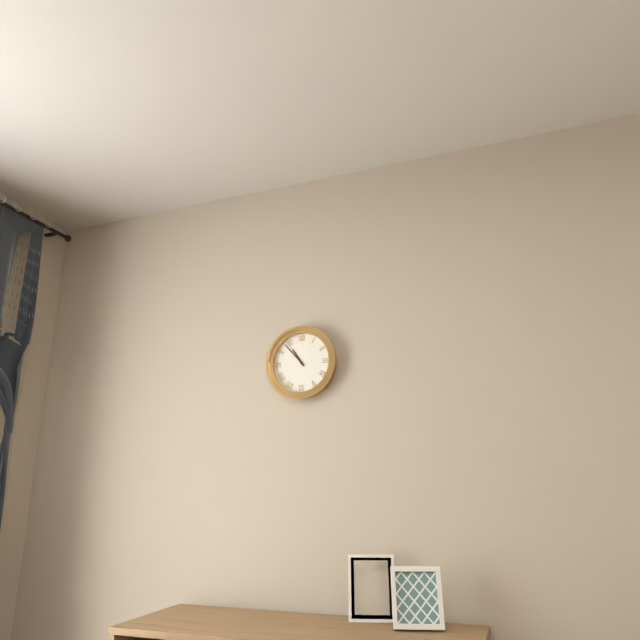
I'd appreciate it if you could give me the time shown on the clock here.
10:53
